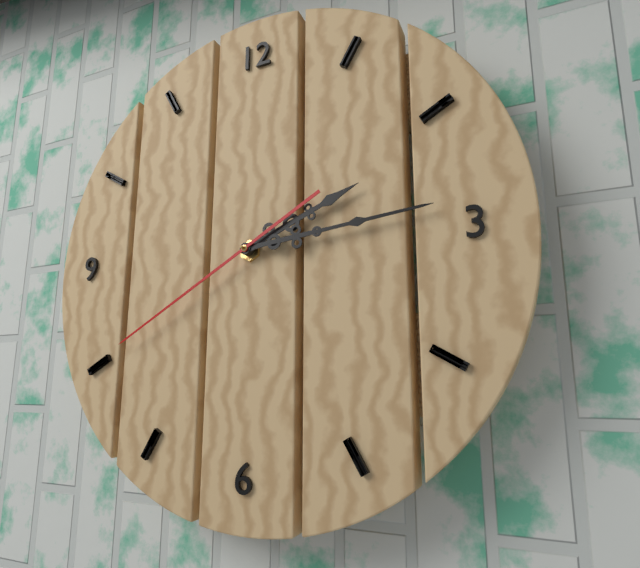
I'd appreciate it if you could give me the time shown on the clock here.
2:14:40
